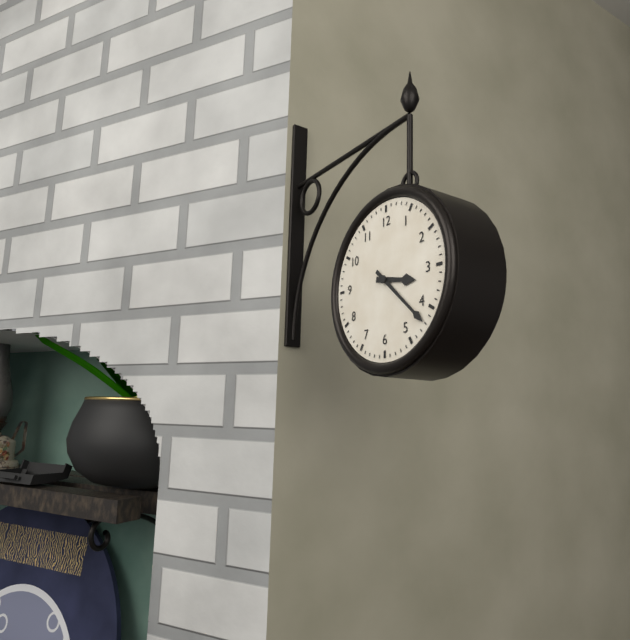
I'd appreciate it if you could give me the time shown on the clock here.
3:22
